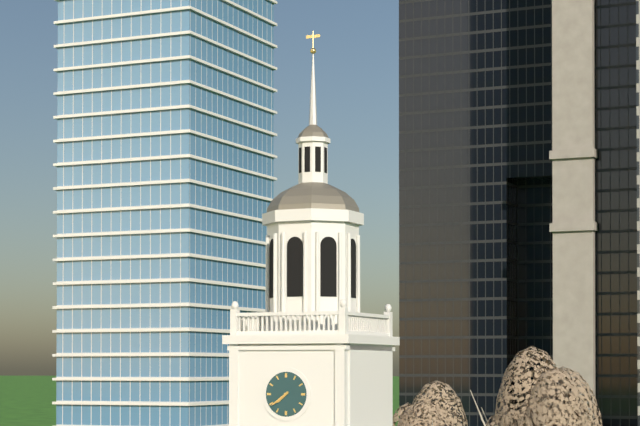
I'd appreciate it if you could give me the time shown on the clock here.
7:39
